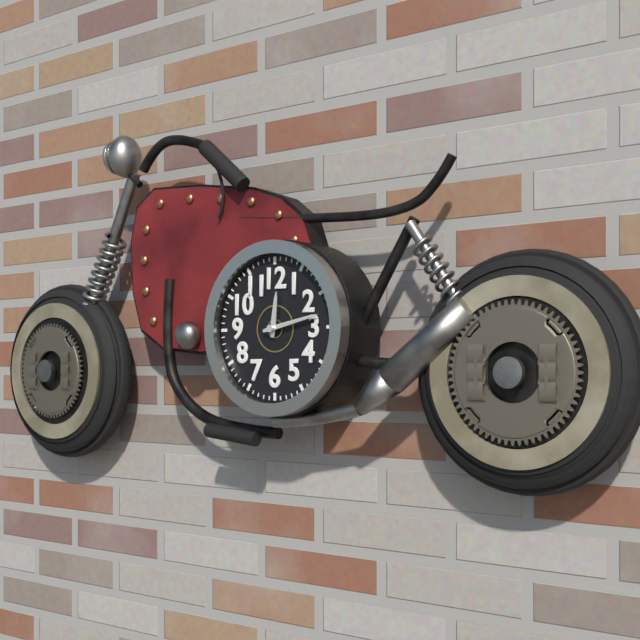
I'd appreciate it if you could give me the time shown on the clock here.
12:13
